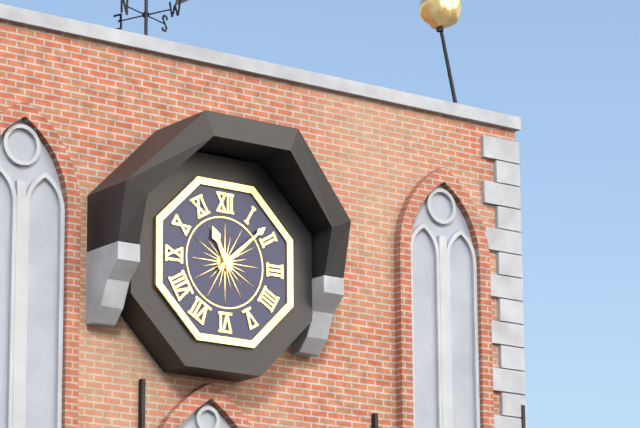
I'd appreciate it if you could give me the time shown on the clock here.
11:08
